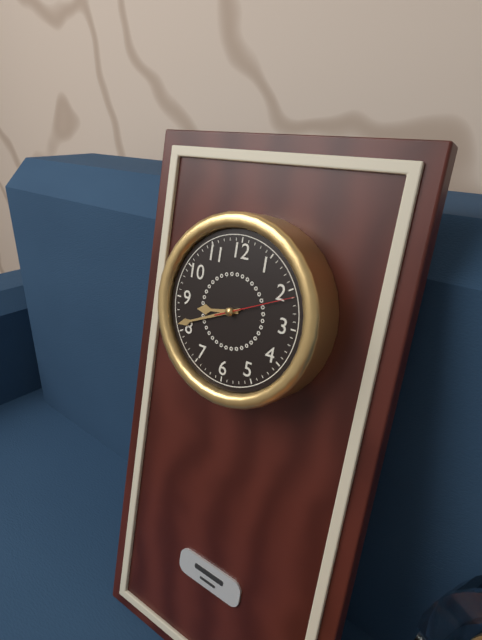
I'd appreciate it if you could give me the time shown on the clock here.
8:41:11
